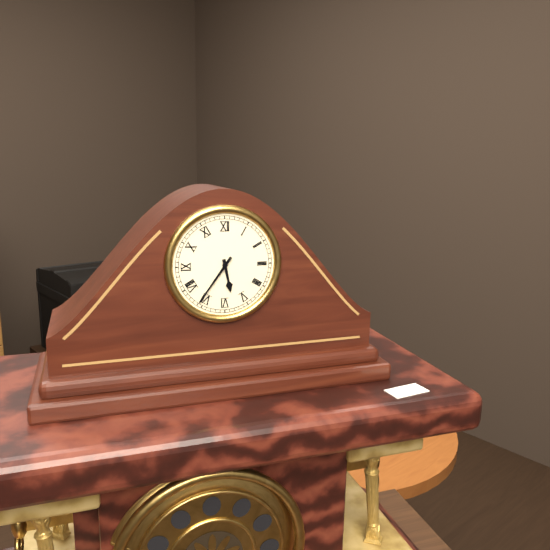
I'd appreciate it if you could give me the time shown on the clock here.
5:36
